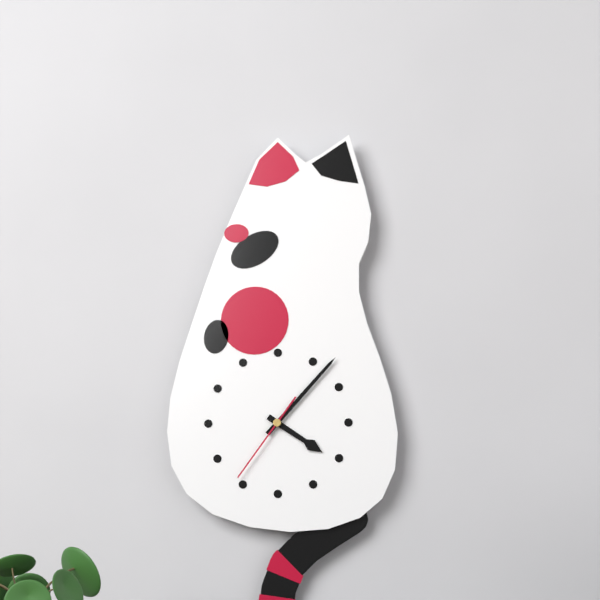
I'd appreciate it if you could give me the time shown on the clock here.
4:07:36
